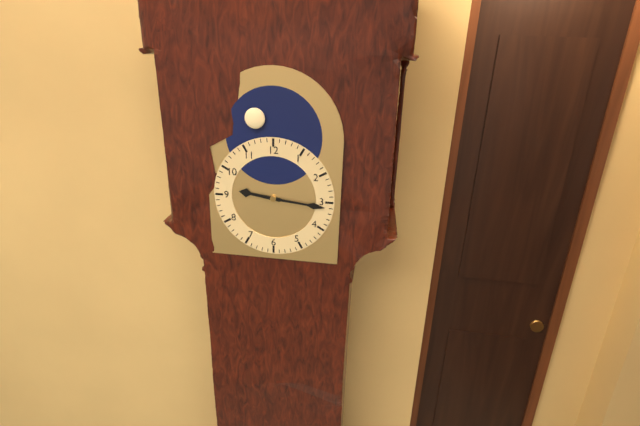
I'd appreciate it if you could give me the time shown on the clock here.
9:16
